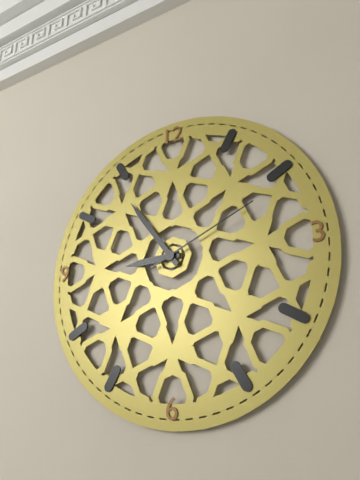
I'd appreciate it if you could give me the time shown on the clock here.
8:54:11
